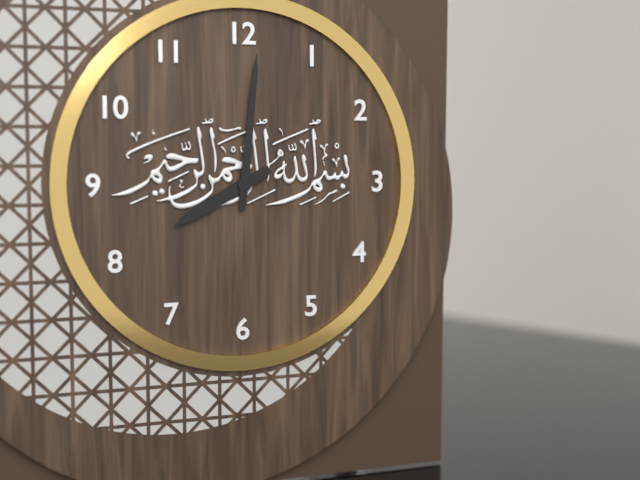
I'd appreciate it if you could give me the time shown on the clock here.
8:01
